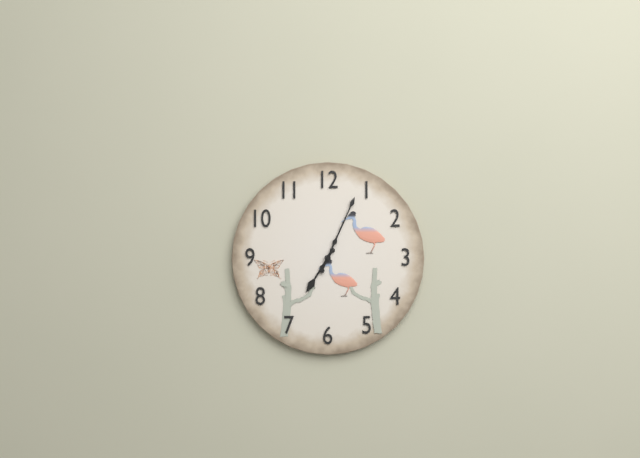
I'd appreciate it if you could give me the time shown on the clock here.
7:04
